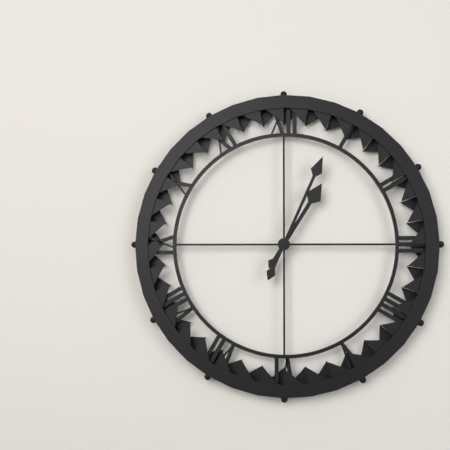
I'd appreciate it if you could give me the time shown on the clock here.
1:04
